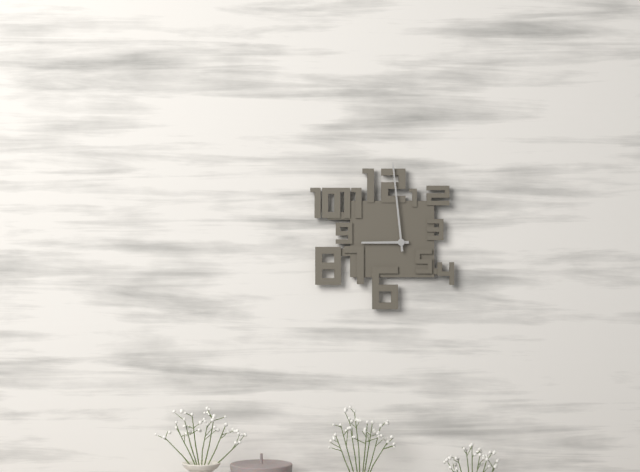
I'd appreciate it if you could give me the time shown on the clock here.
8:59
